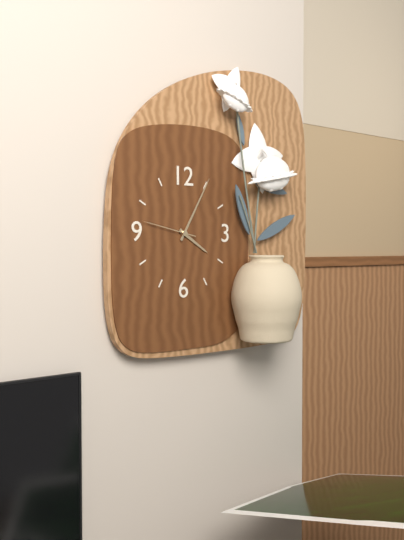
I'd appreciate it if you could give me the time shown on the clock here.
4:05
